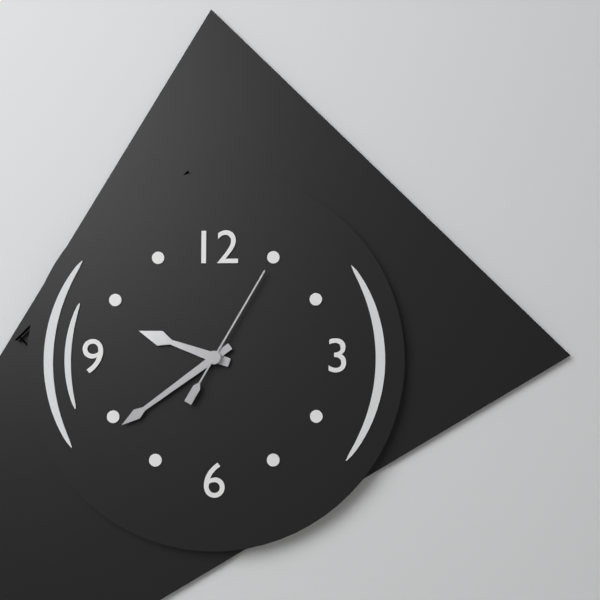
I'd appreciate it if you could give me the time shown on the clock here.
9:39:05
